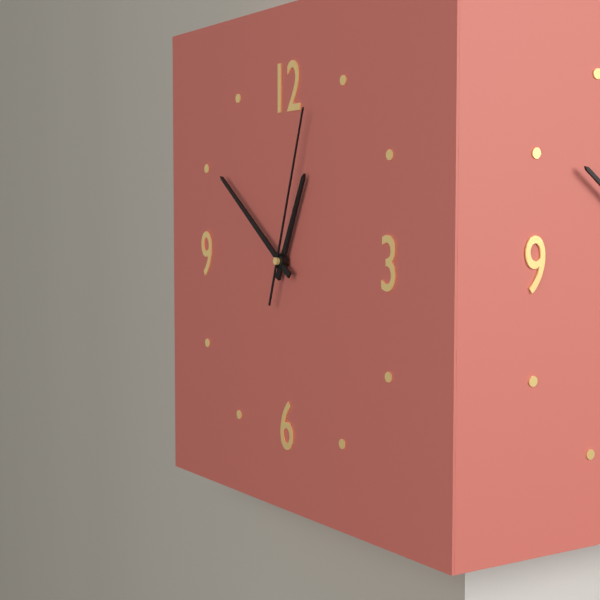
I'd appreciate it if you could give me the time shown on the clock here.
12:51:03
